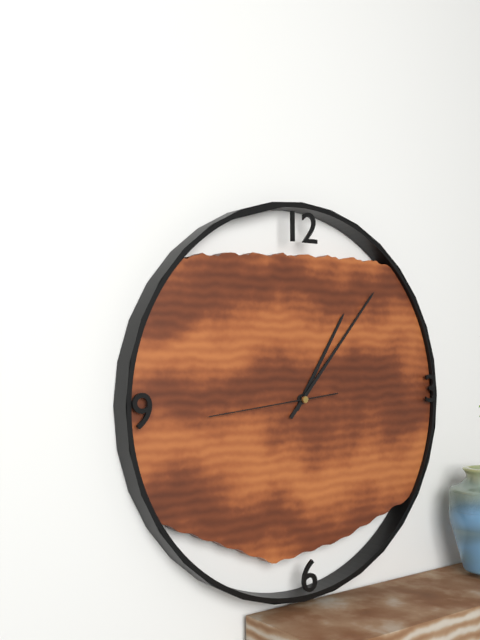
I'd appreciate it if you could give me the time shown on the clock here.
1:07:44
